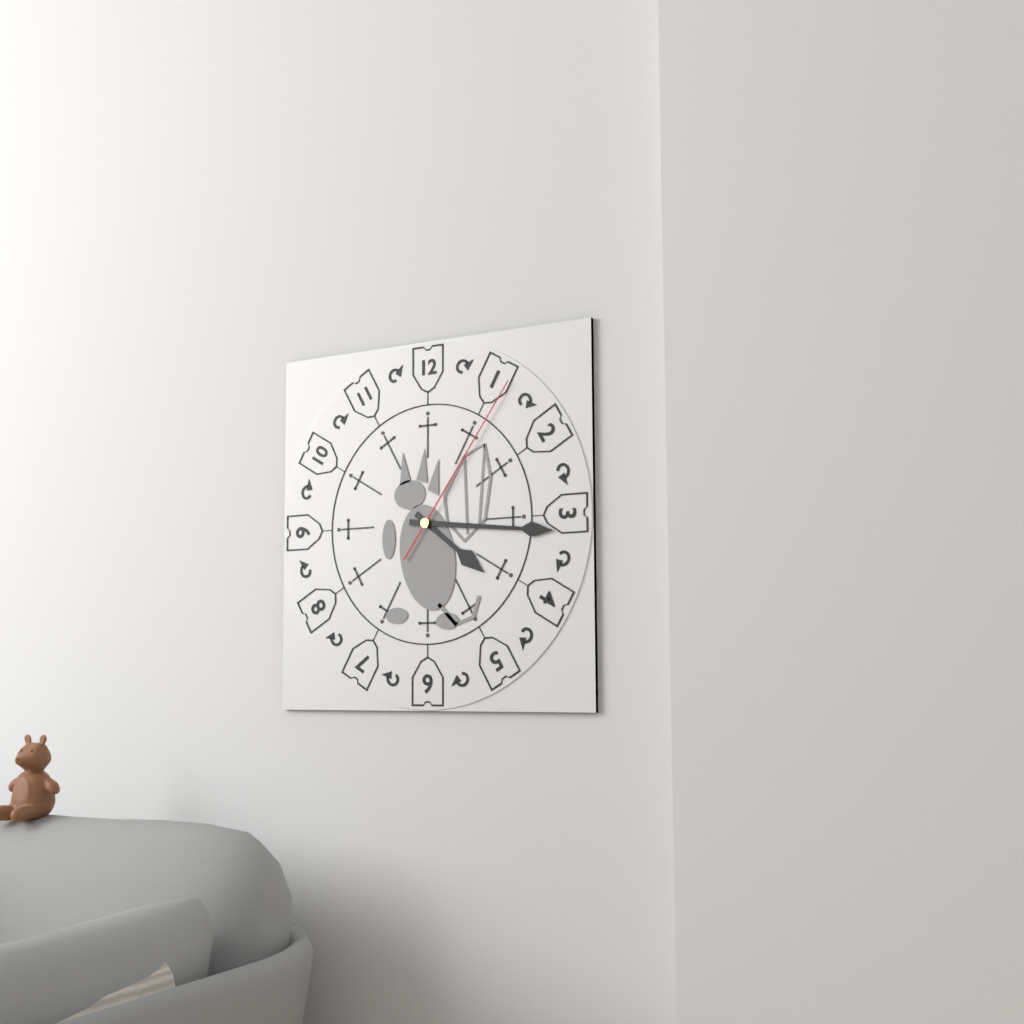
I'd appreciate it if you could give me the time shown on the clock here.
4:16:06
